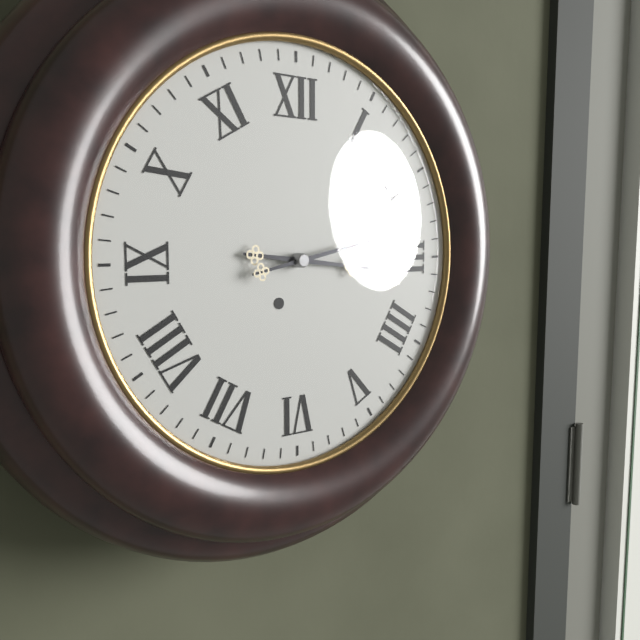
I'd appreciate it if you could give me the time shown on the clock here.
3:13
